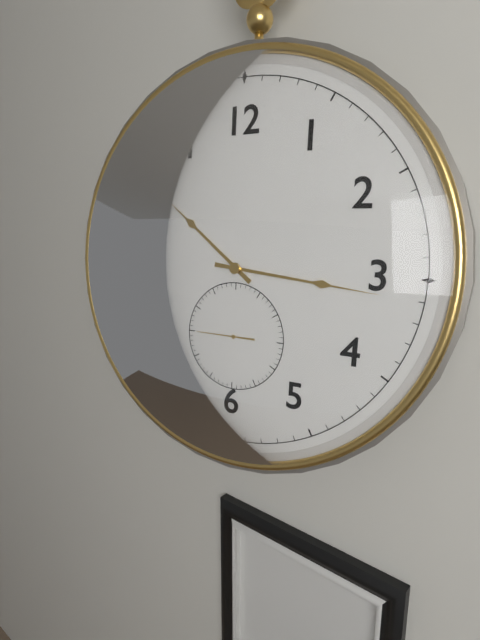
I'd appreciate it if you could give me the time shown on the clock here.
10:16
